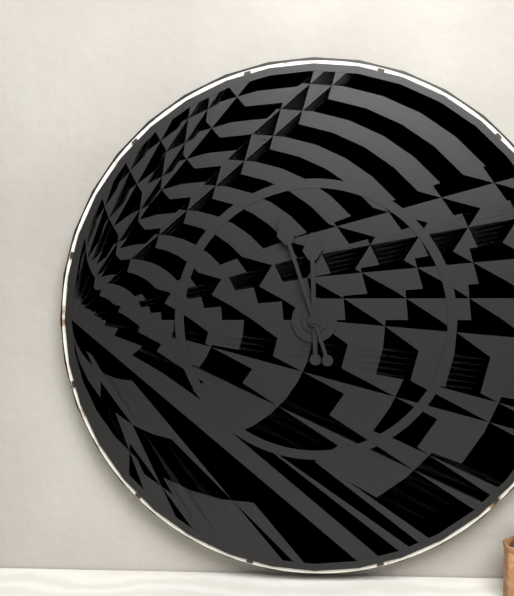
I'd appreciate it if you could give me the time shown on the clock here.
11:57
